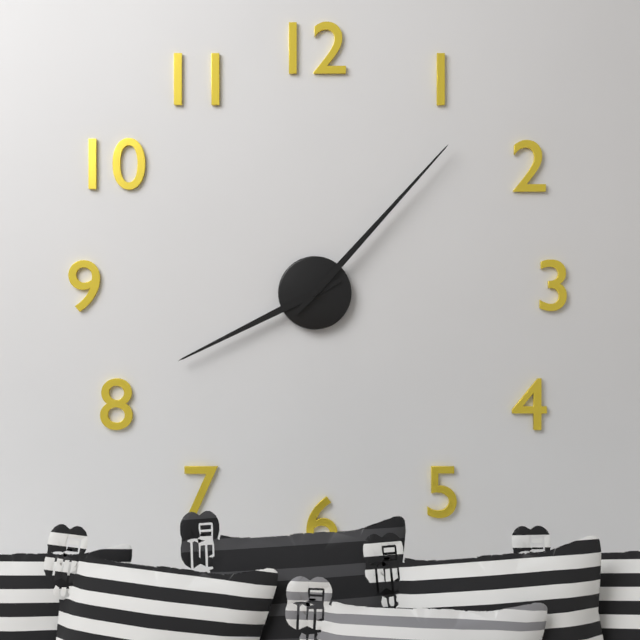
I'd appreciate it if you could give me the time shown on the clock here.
8:07
